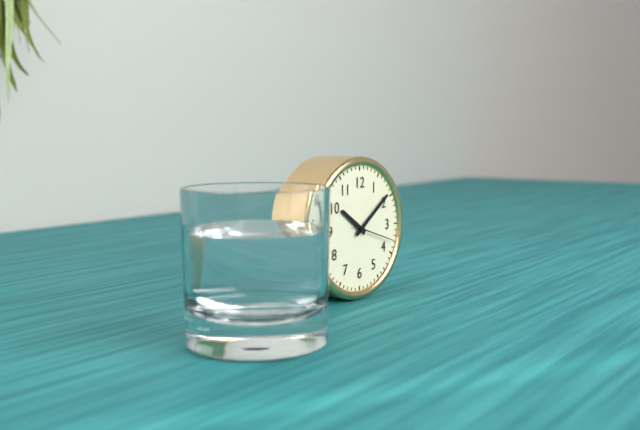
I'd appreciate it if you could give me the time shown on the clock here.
10:09:18
